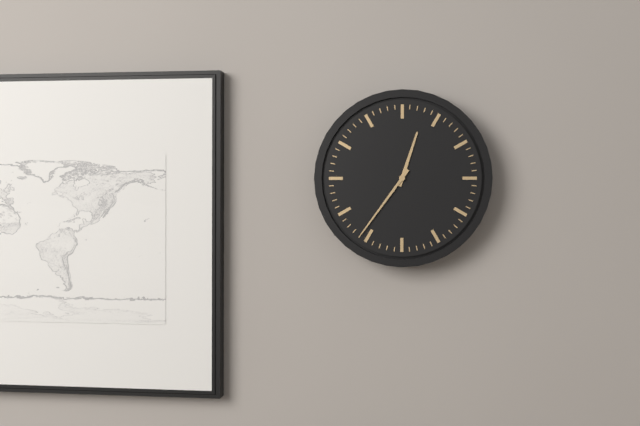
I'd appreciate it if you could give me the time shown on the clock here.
12:36
